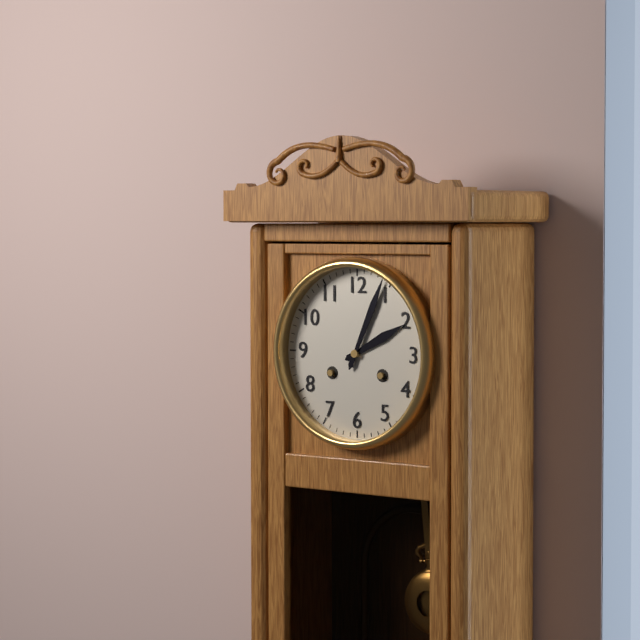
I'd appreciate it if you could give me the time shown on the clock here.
2:04
